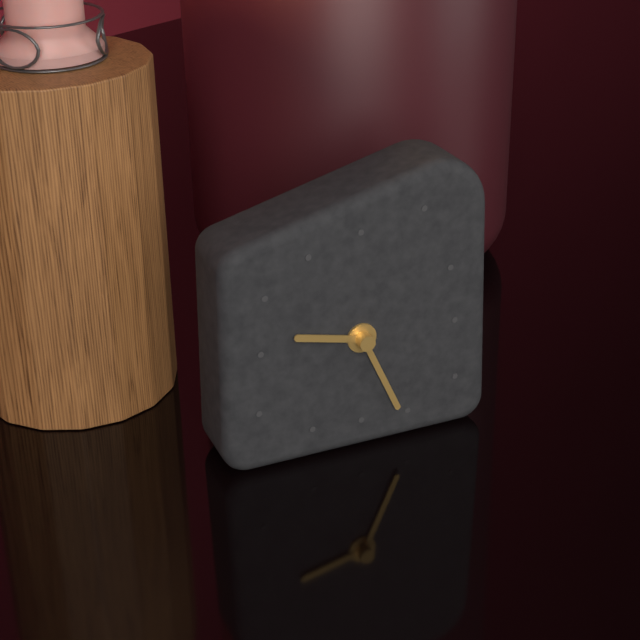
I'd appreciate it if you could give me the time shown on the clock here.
9:26
